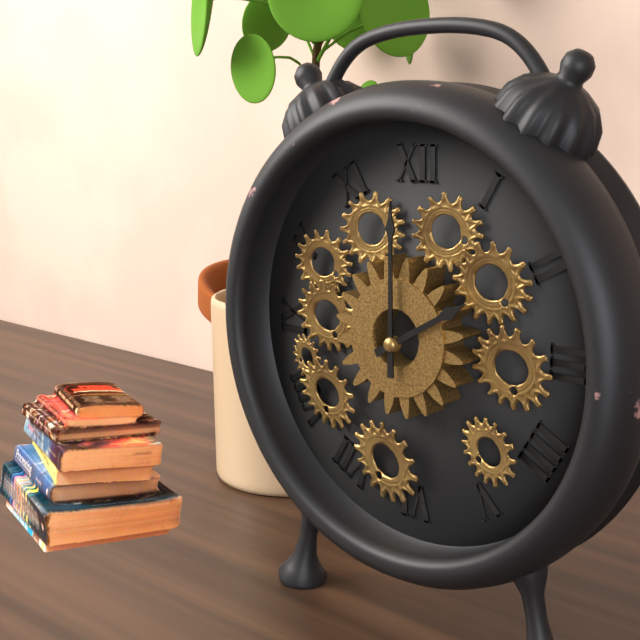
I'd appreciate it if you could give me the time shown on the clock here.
2:00
